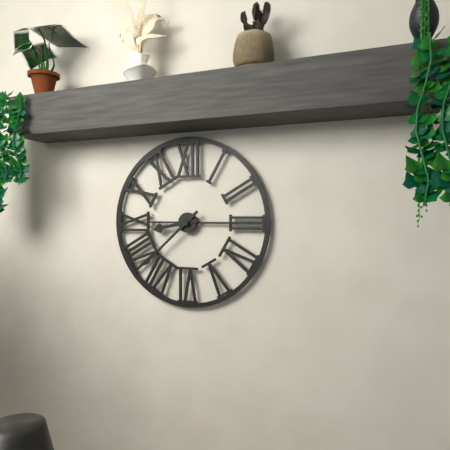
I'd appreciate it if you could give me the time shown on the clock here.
8:38
